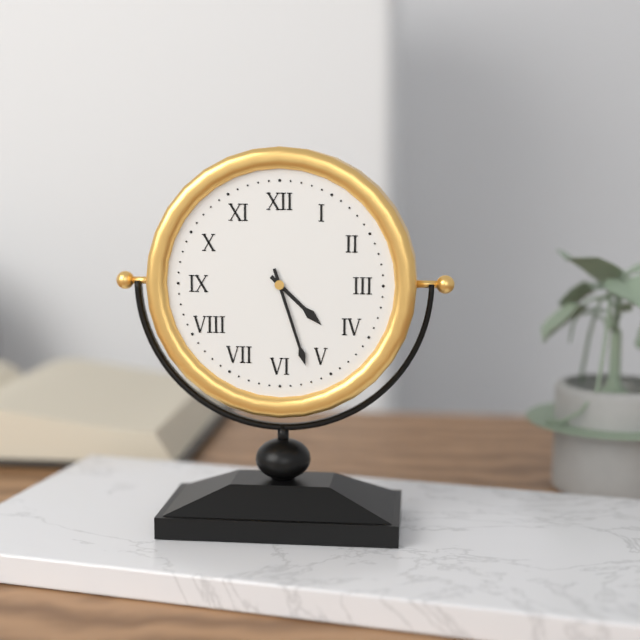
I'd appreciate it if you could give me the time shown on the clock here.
4:27
